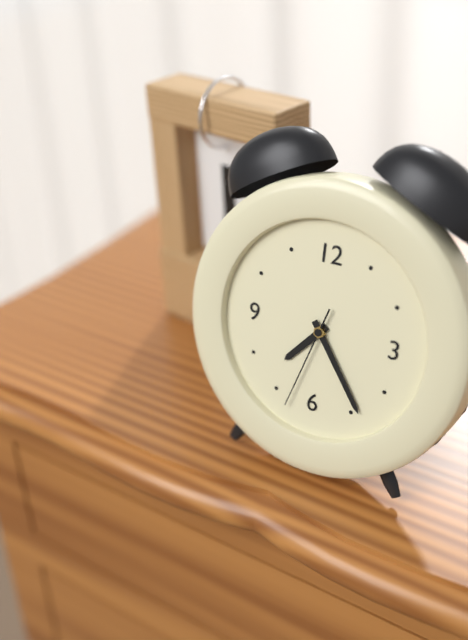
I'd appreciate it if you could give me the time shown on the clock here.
7:24:33
